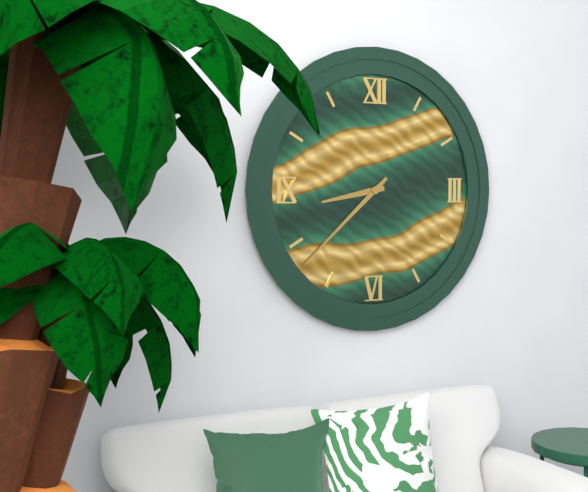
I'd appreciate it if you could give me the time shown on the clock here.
8:38
